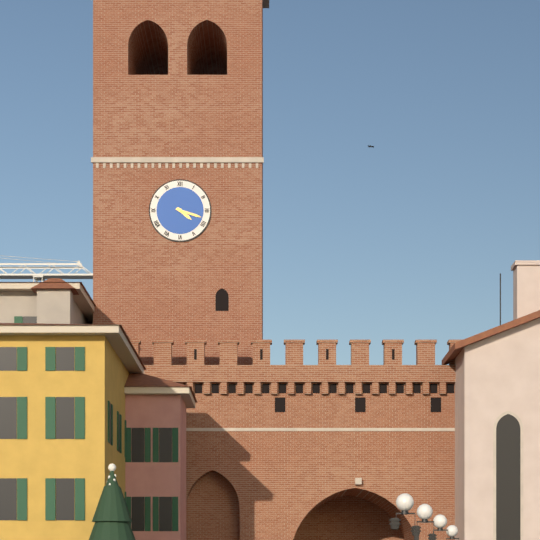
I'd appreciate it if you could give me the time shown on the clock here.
4:18
